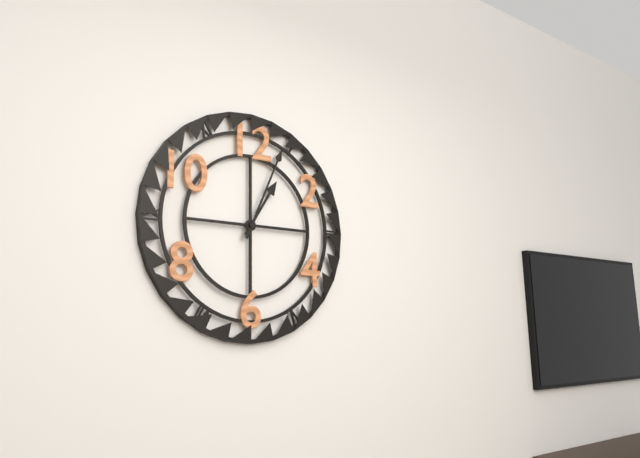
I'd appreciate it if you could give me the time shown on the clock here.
1:04
